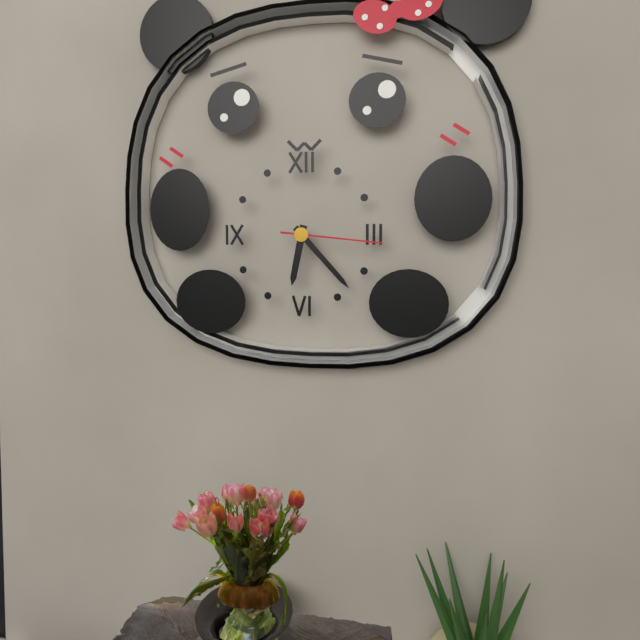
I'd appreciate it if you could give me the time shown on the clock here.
6:23:16
